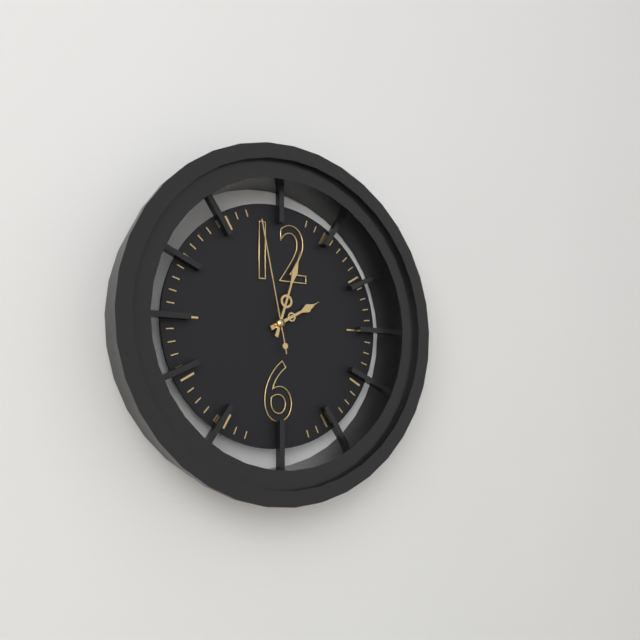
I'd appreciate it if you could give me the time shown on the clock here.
2:03:58
